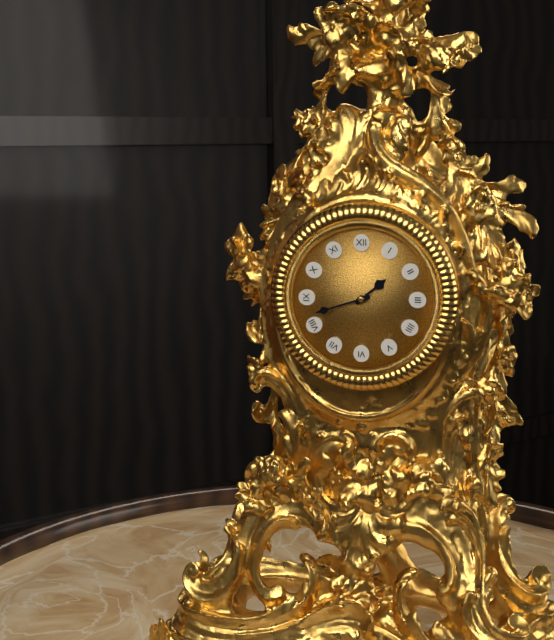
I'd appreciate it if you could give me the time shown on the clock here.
1:42
